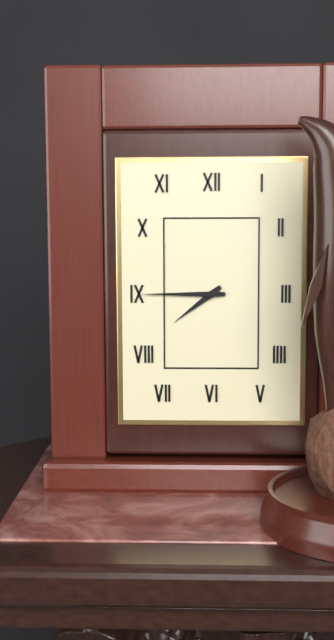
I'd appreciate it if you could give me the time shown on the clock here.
7:45
